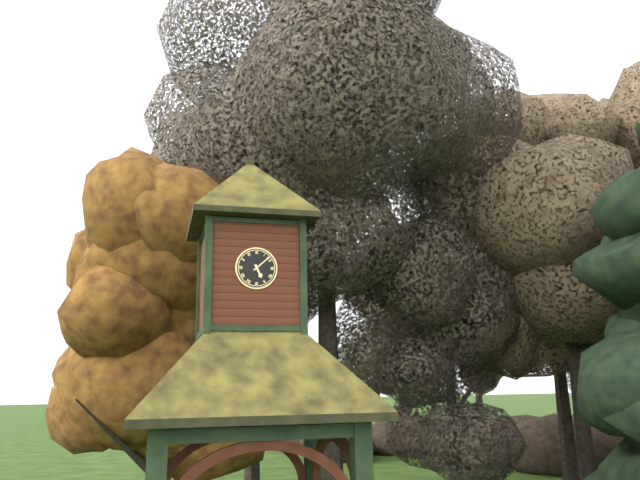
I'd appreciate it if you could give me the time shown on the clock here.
5:08
